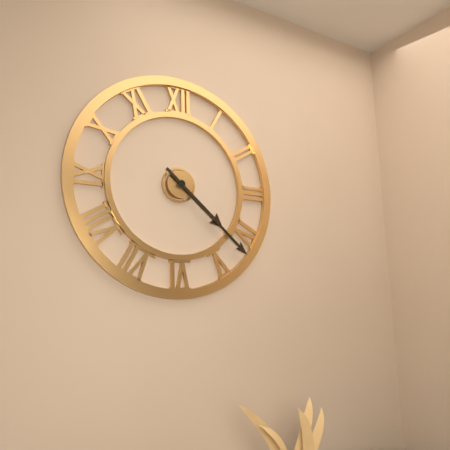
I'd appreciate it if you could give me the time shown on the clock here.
4:22
